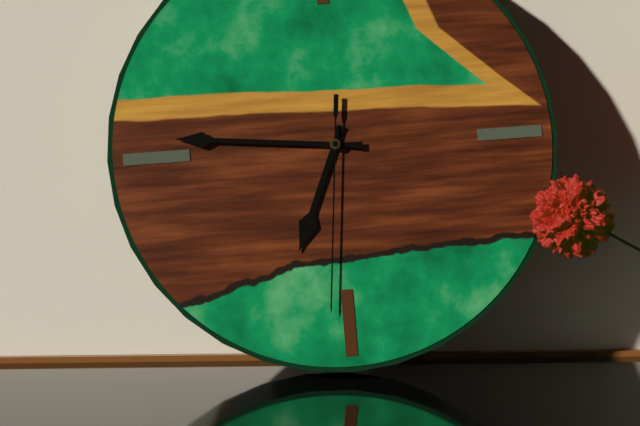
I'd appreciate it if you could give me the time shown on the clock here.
6:46:31
